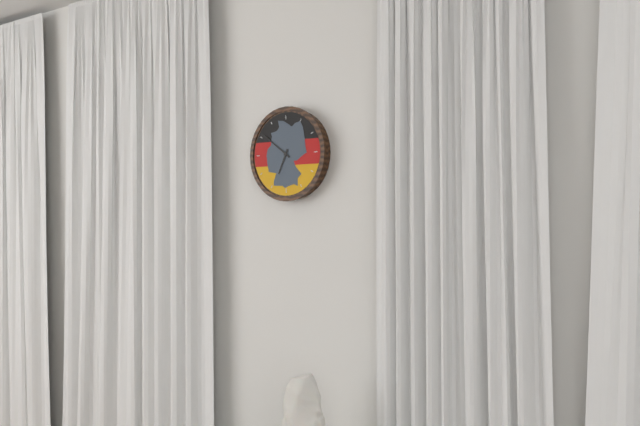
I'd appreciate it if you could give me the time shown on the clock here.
6:51
